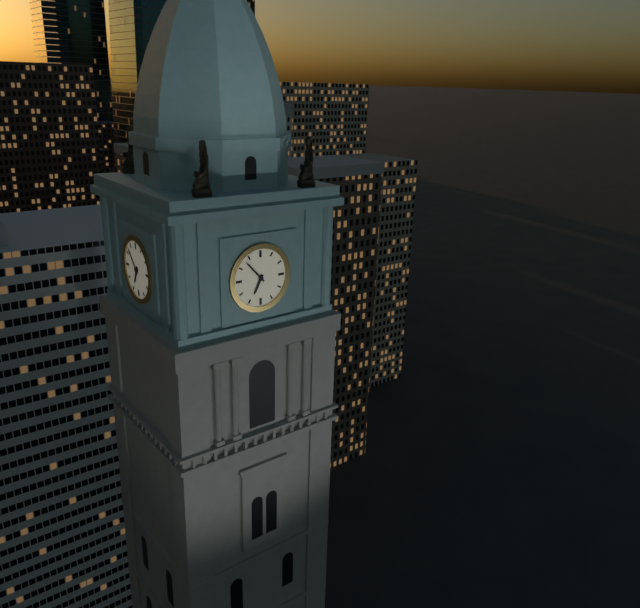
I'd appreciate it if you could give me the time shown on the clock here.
6:53
